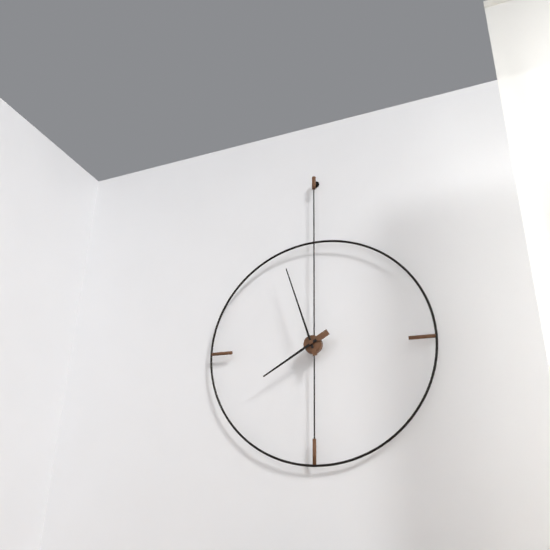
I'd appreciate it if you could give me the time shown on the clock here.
7:57
